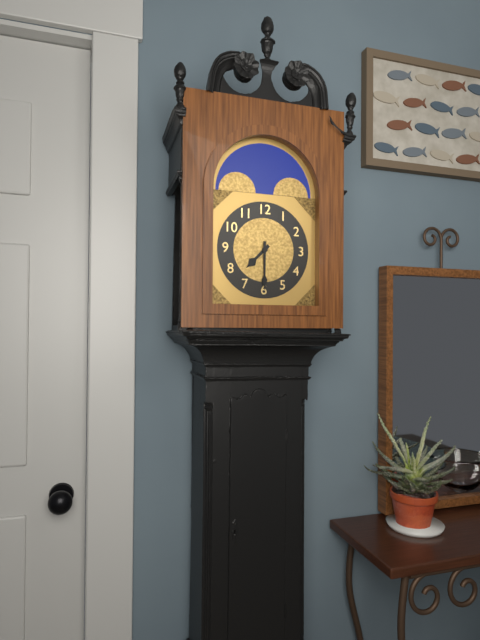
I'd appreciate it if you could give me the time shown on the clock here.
7:30
